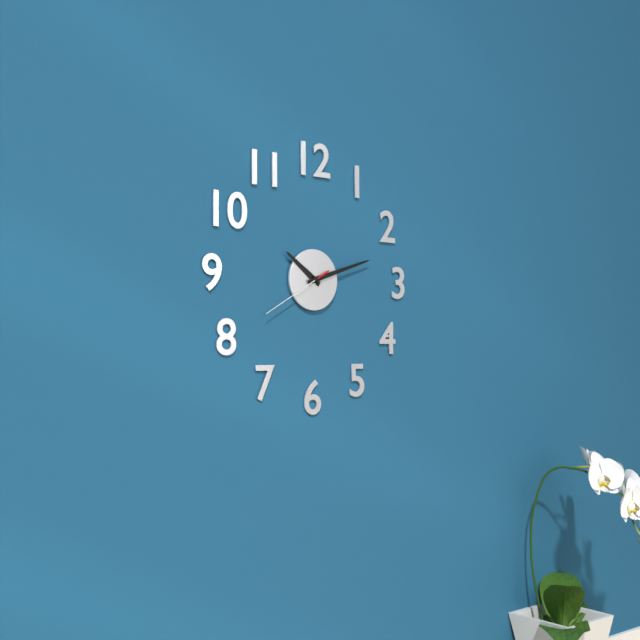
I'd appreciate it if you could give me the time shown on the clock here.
10:12:40
